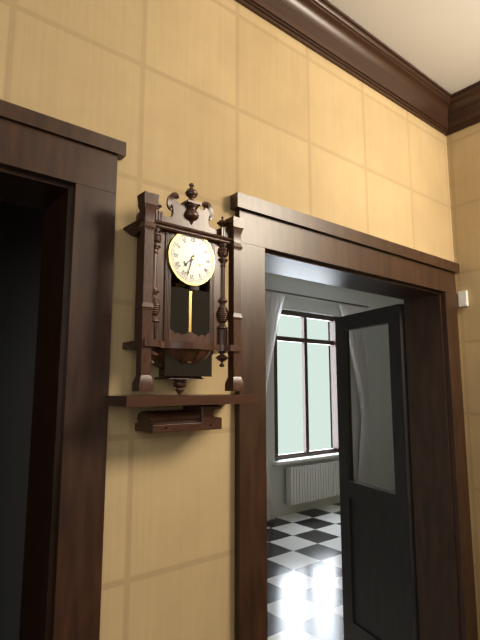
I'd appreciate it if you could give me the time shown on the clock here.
7:33
